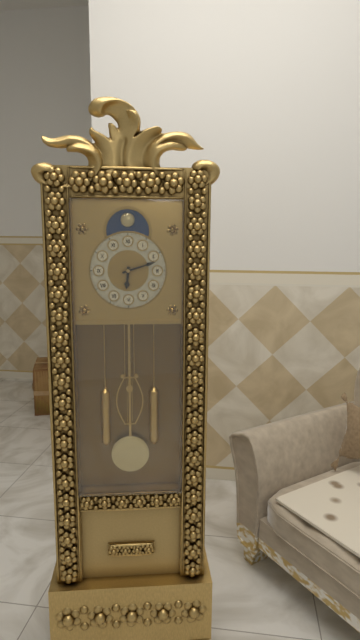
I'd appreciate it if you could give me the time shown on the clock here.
6:12
